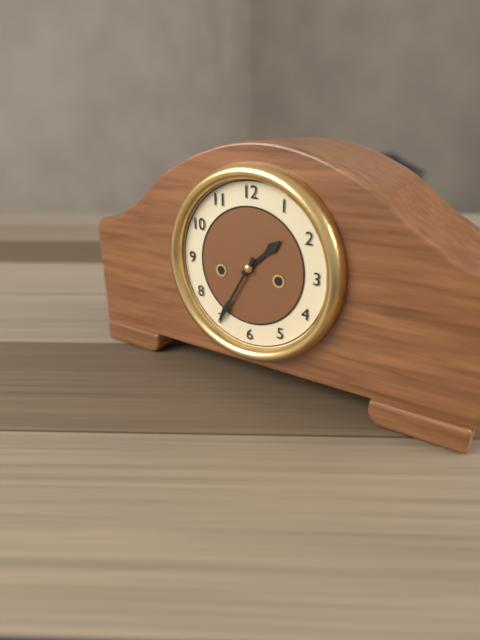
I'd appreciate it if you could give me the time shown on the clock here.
1:35
